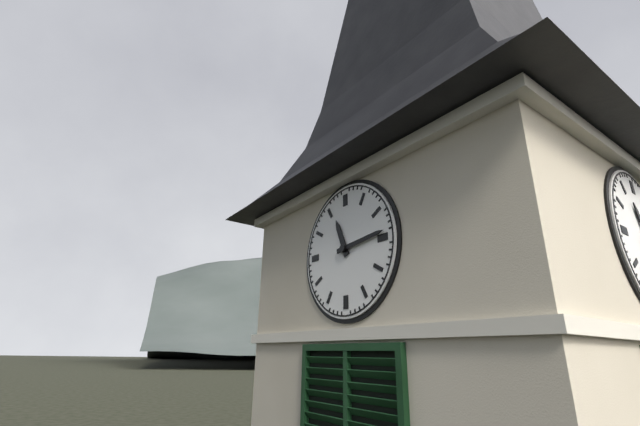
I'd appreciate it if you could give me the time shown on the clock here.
11:14
